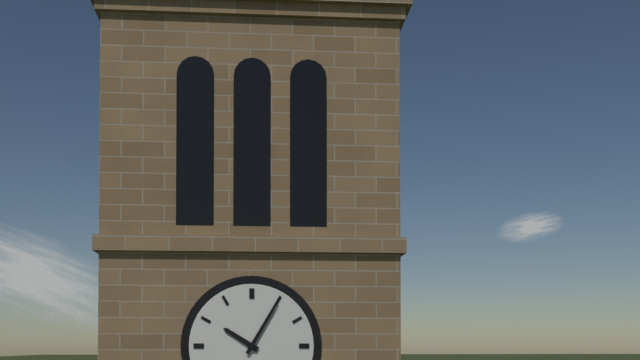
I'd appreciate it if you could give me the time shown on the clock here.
10:05
